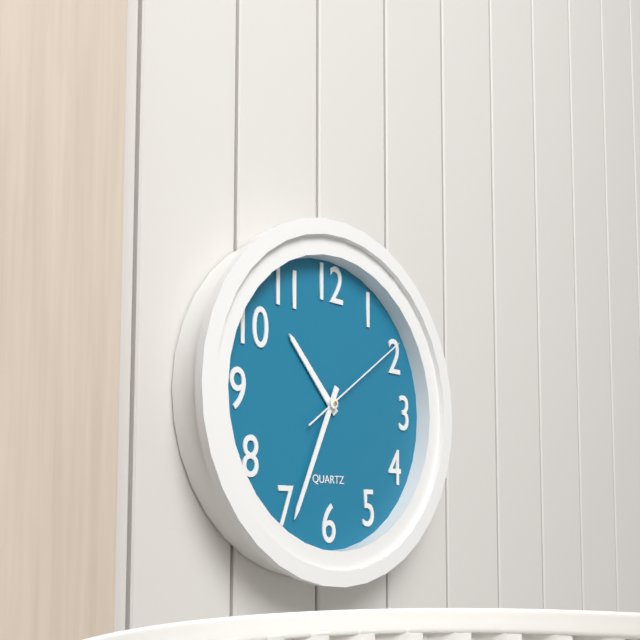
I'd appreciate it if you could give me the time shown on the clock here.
10:34:09
